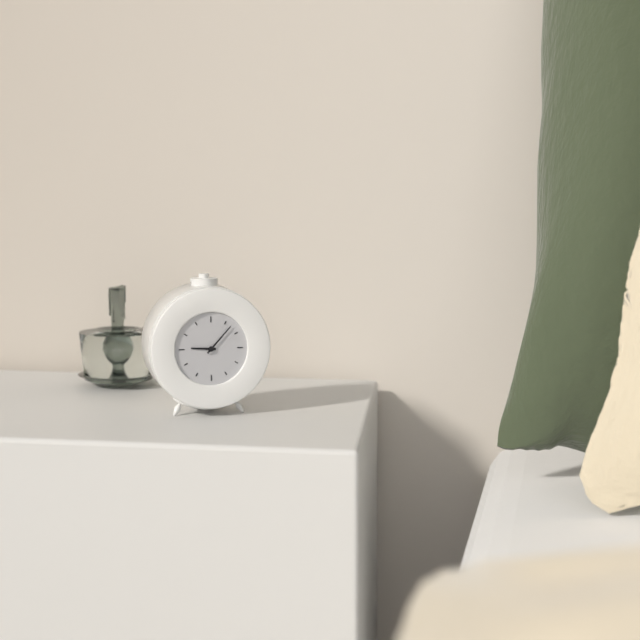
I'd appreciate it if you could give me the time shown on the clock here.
9:07
